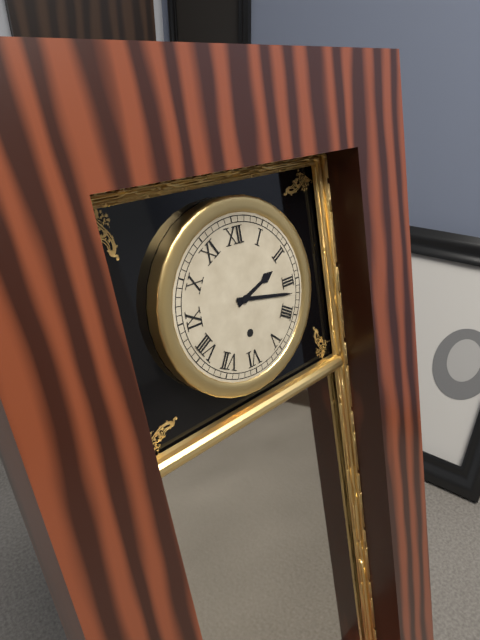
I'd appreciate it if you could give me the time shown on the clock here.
2:17
